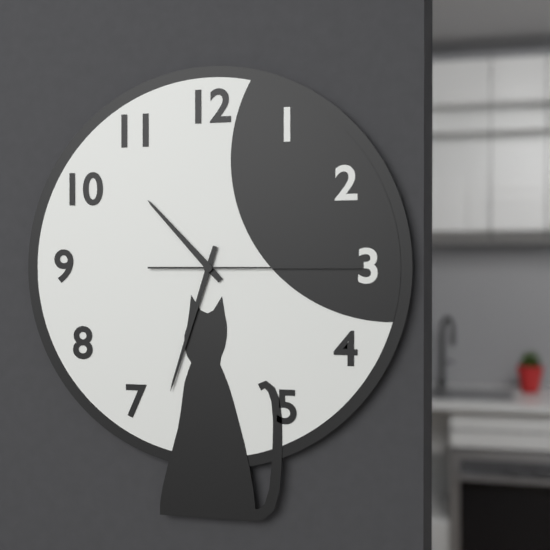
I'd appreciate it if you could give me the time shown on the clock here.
10:33:15
